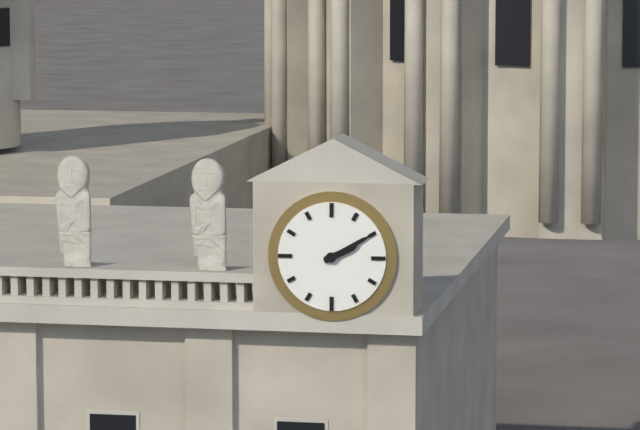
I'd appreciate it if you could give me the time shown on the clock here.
2:10
